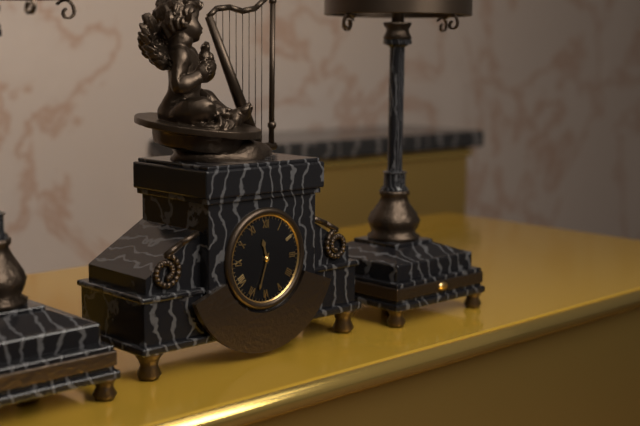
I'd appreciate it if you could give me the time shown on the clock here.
11:33
